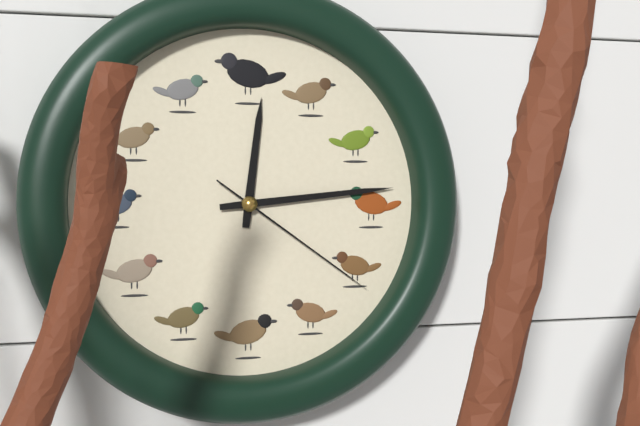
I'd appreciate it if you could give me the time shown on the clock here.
12:14:21
